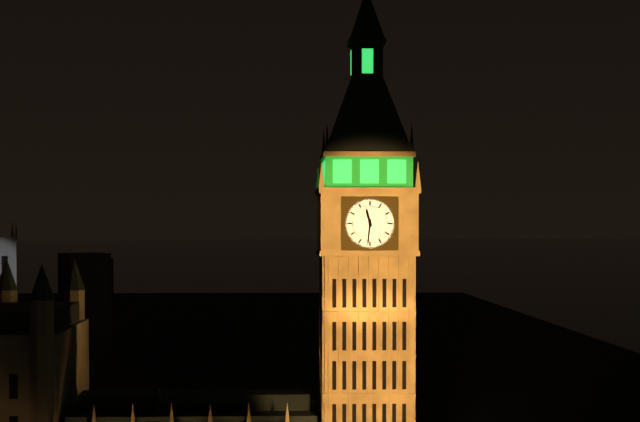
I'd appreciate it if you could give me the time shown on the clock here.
11:31
